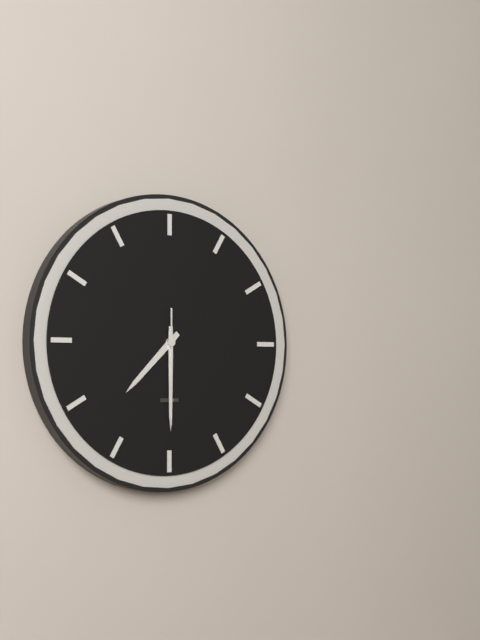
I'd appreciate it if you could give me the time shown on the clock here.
7:30:30
